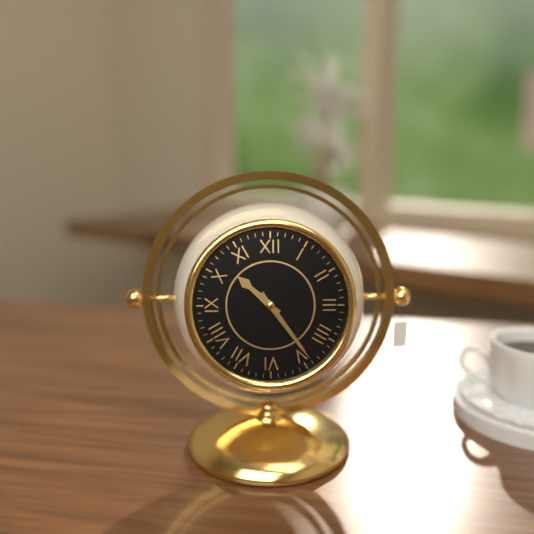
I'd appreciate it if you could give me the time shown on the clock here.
10:24
